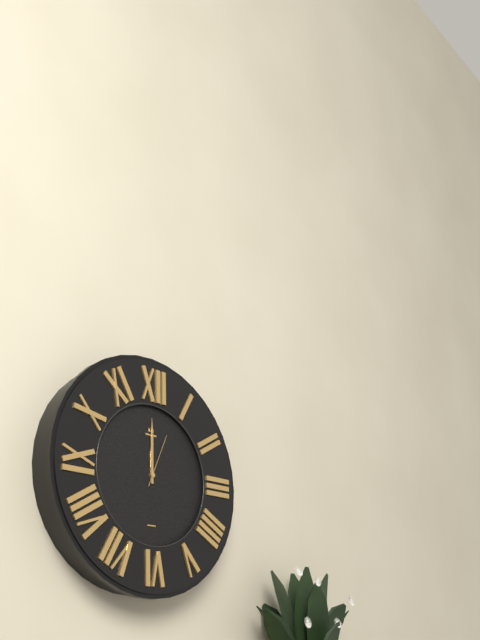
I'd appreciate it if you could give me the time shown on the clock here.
12:00:04
